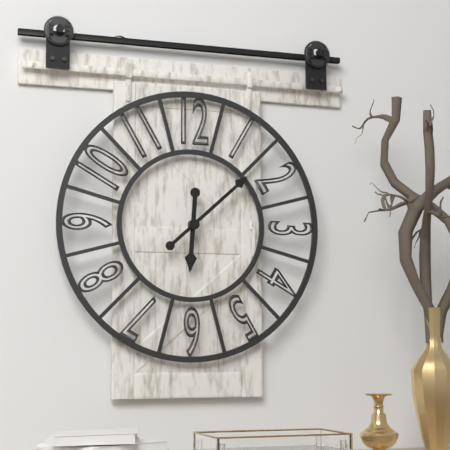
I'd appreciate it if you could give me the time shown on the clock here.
6:08
